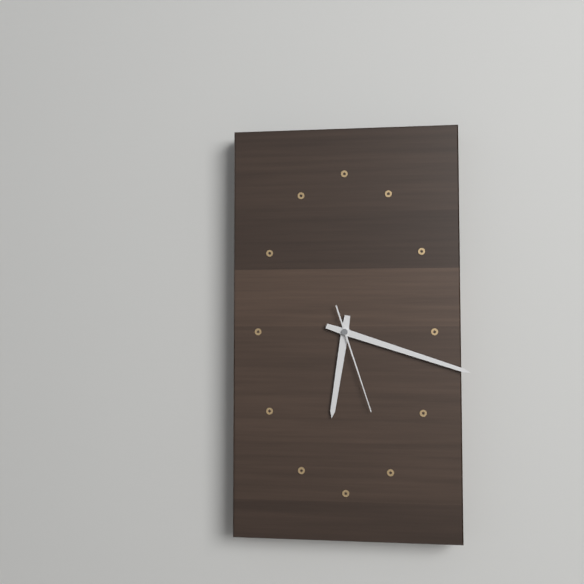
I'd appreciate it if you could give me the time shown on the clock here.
6:18:27
